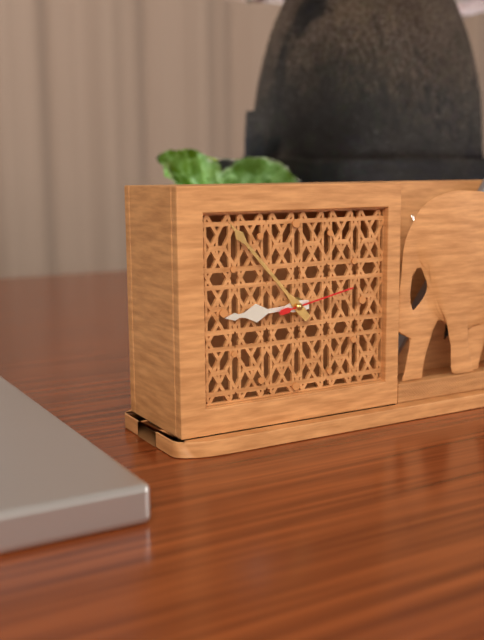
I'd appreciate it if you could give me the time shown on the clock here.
8:53:13
